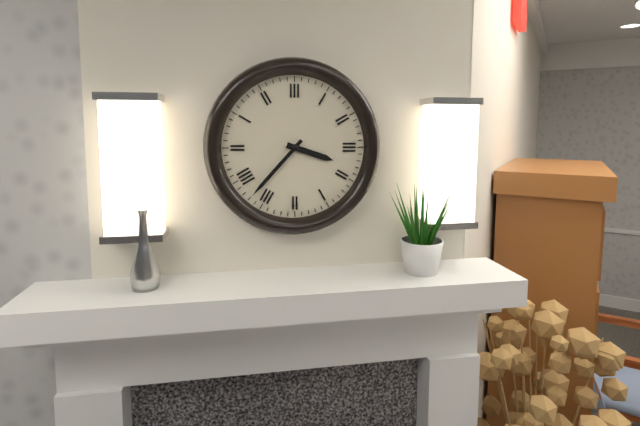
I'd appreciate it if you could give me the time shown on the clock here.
3:37
